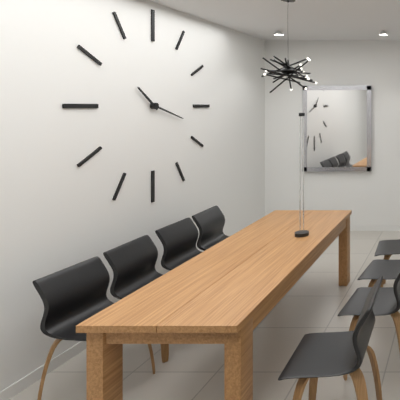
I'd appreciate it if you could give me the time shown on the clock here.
10:18
